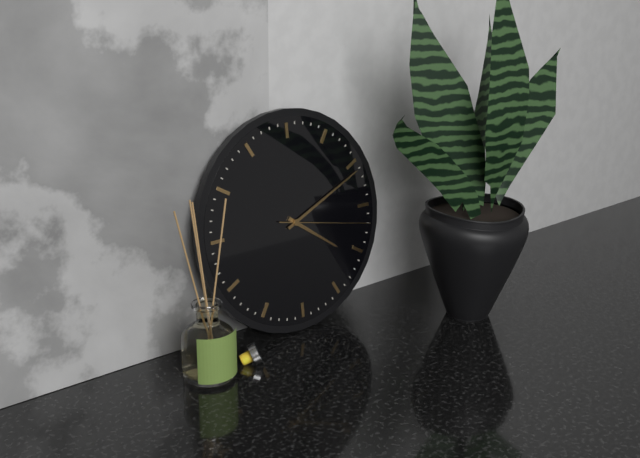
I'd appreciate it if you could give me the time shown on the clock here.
4:11:17
